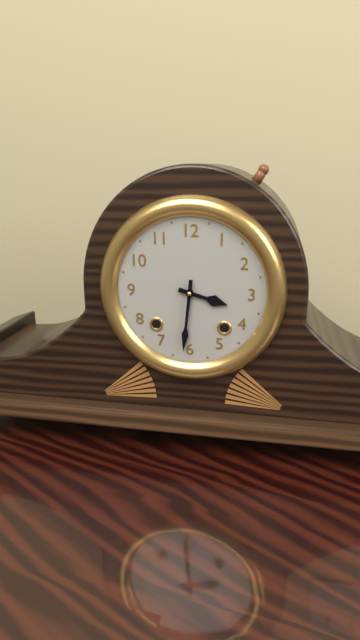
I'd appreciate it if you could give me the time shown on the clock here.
3:31
